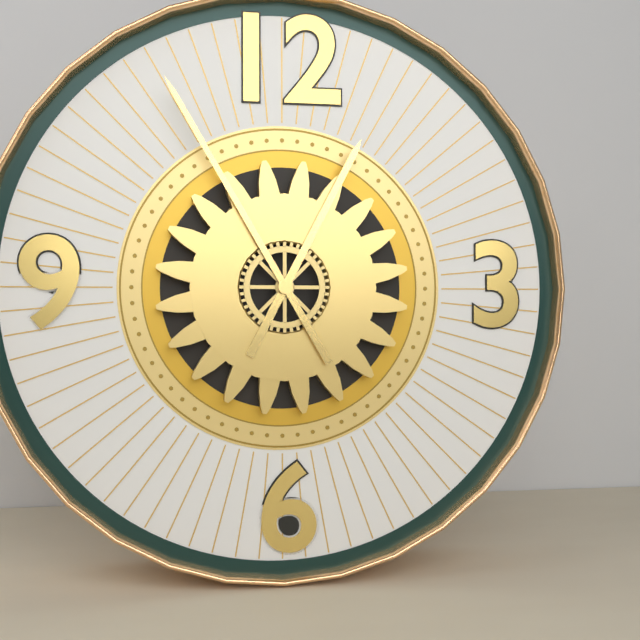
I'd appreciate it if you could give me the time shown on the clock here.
12:55
